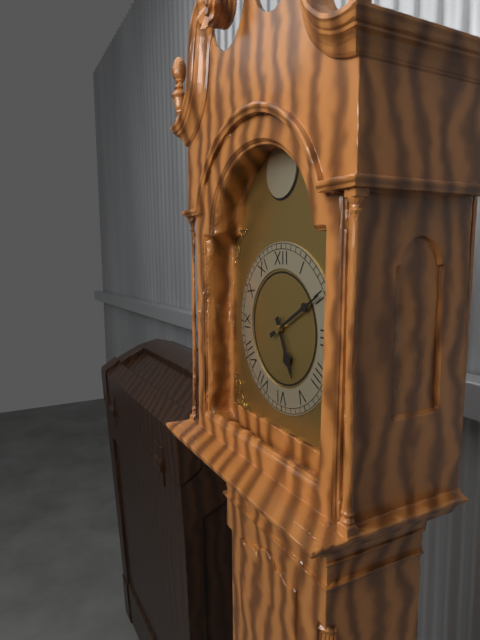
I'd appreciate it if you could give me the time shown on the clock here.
5:10
